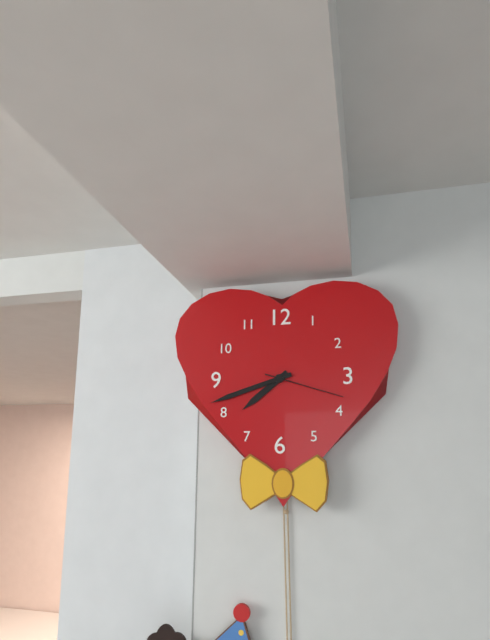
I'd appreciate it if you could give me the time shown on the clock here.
7:42:18
